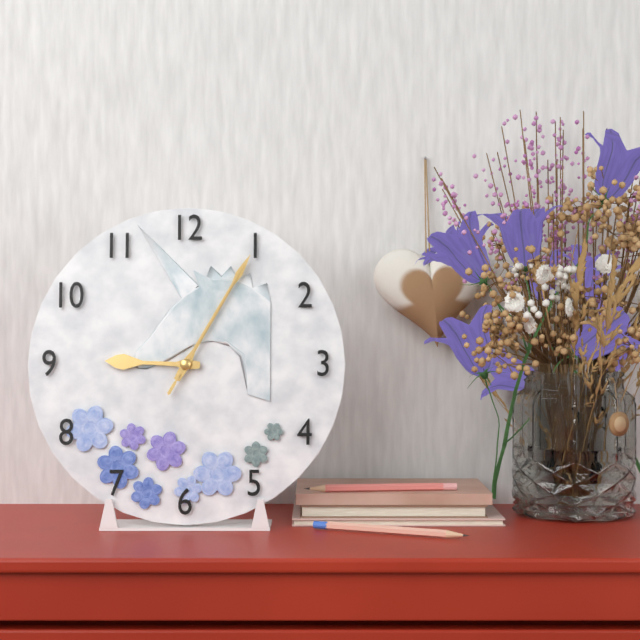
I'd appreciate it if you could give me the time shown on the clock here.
9:05:05
